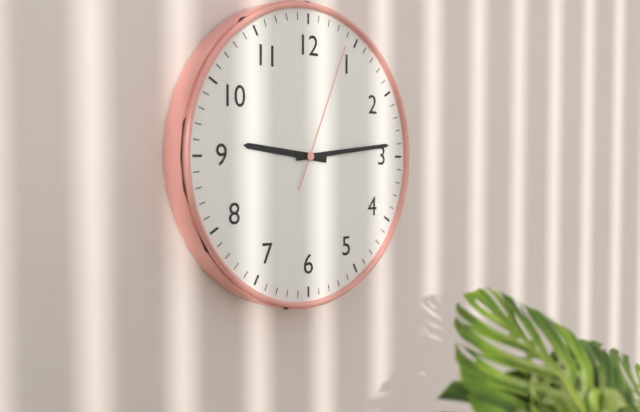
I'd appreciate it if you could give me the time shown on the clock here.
9:14:04
